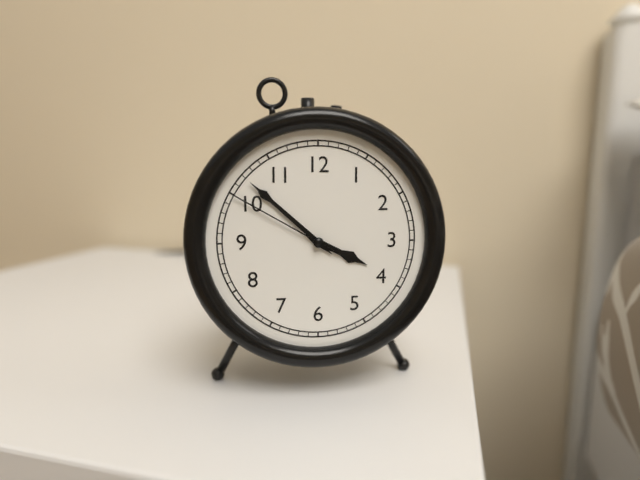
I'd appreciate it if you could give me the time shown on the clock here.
3:52:50
